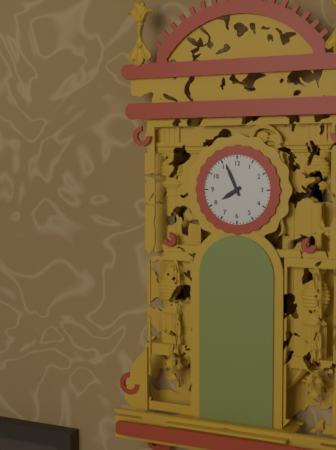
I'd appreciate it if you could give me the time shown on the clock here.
7:56
